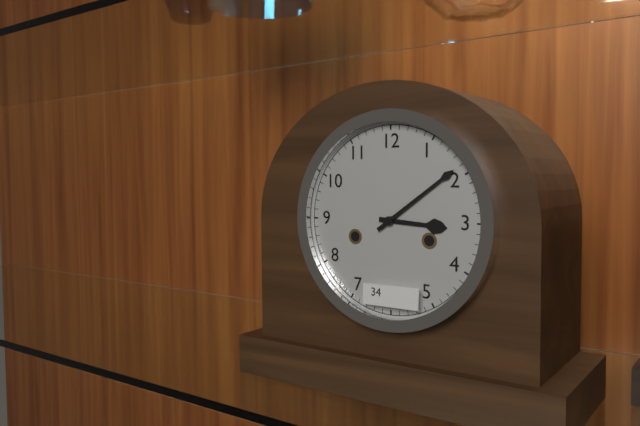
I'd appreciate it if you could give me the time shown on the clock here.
3:09
